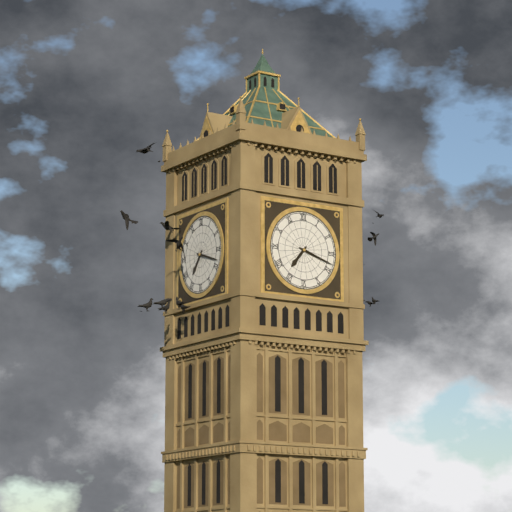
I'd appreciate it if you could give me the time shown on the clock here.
7:18
